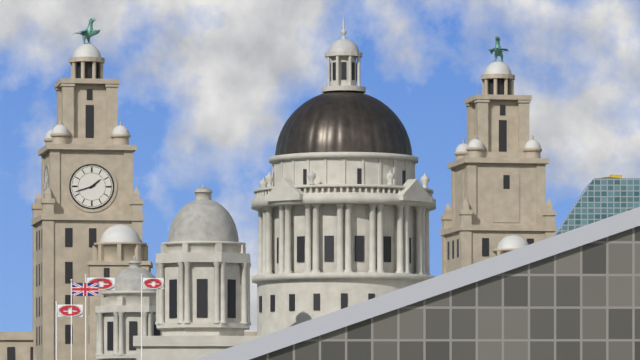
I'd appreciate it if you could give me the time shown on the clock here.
1:42
